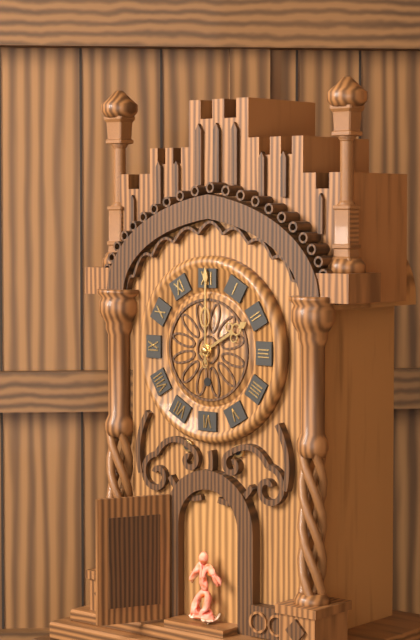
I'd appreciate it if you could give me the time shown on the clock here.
2:00
